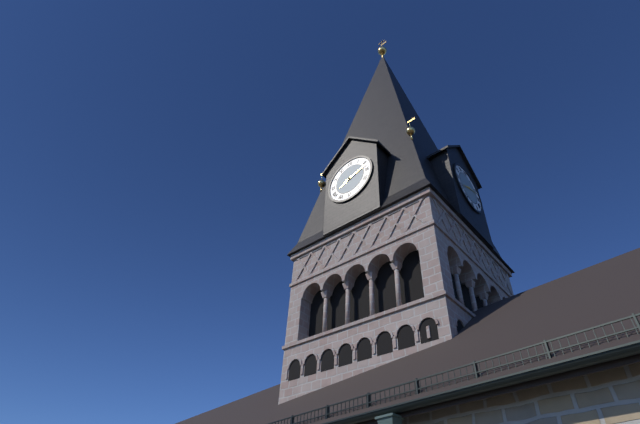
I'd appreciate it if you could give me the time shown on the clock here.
8:12
